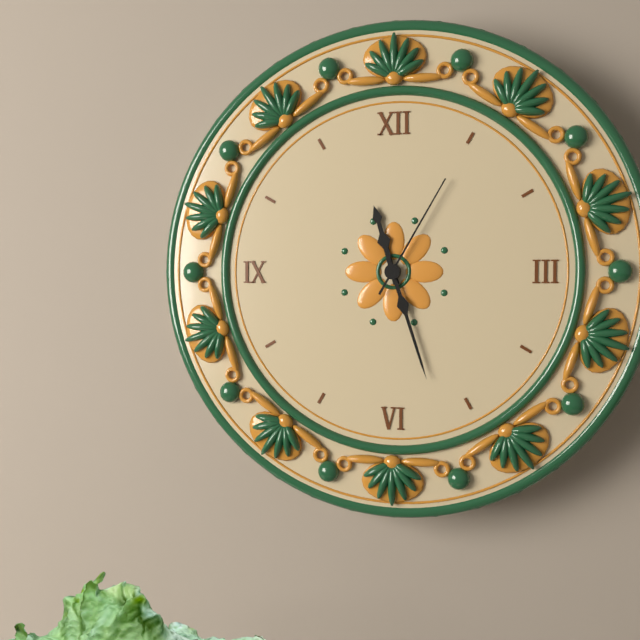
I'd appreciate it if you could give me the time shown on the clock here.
11:27:05
